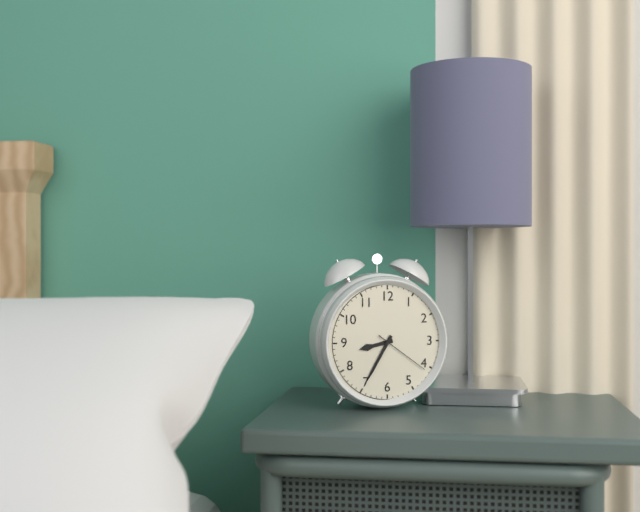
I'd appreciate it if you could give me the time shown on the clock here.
8:35:21
